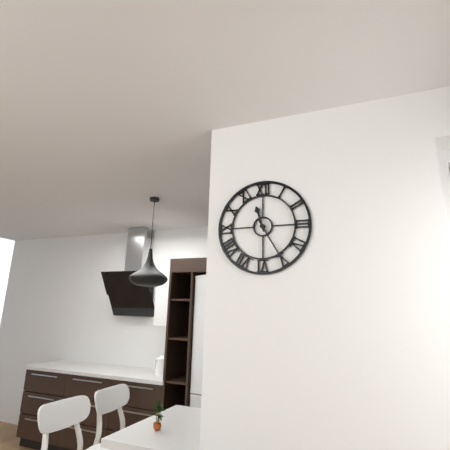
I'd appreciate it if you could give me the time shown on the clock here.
11:25
